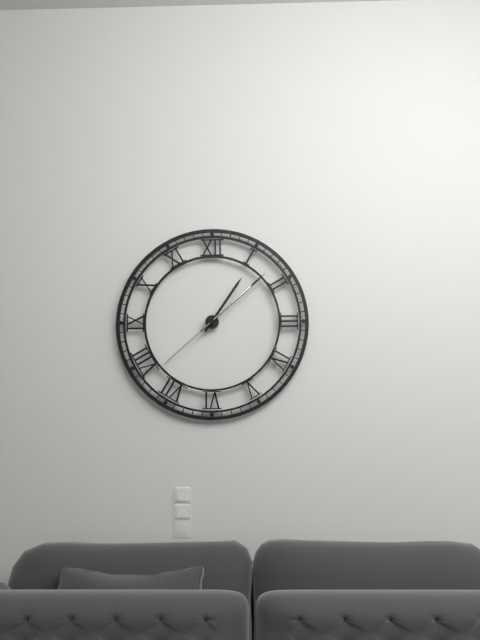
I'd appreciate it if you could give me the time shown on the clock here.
1:08:38
